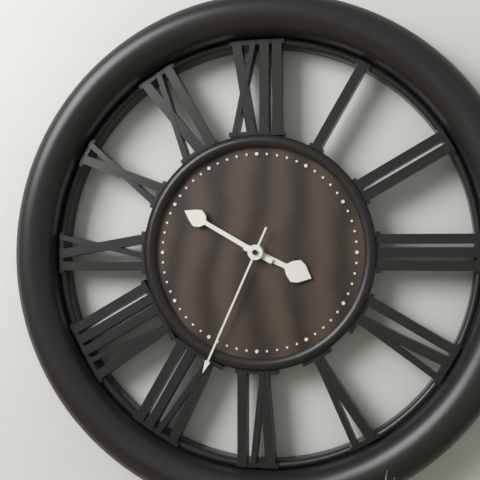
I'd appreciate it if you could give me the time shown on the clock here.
3:50:34
